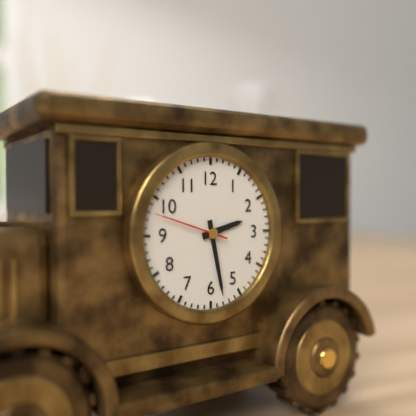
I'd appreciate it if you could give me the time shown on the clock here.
2:28:48
